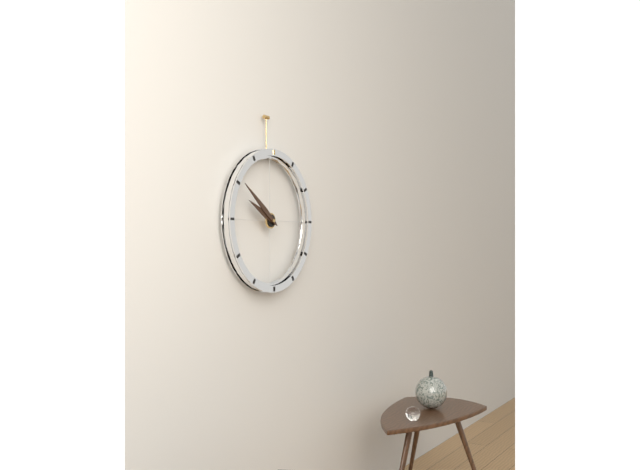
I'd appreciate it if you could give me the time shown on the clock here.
9:51
